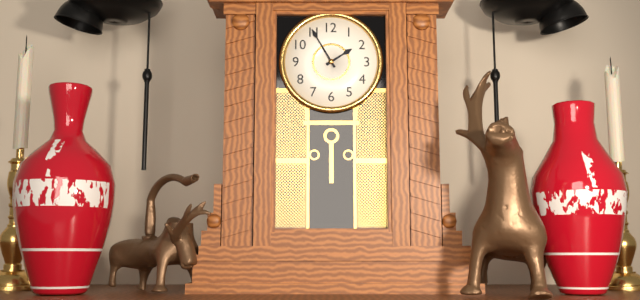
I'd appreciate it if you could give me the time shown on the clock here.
1:55
